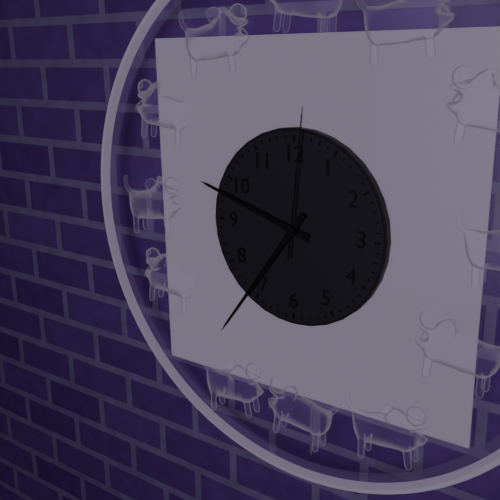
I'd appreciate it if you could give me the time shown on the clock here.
9:36:01
